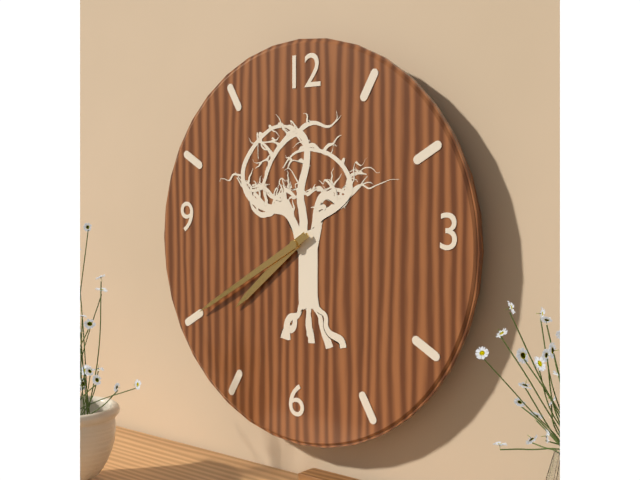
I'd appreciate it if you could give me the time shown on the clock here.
7:40
